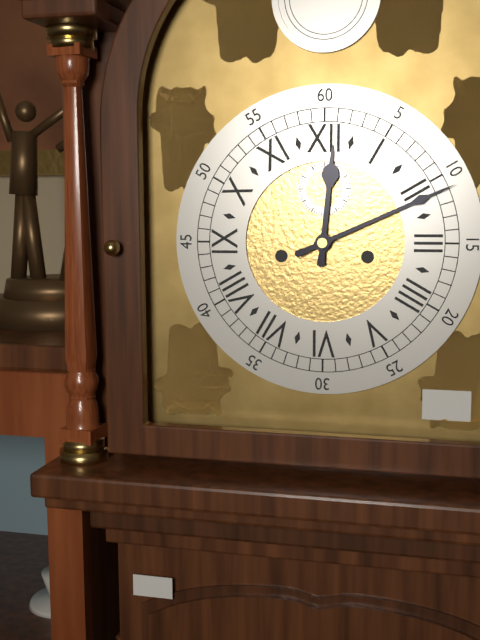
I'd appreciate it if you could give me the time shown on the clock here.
12:11
